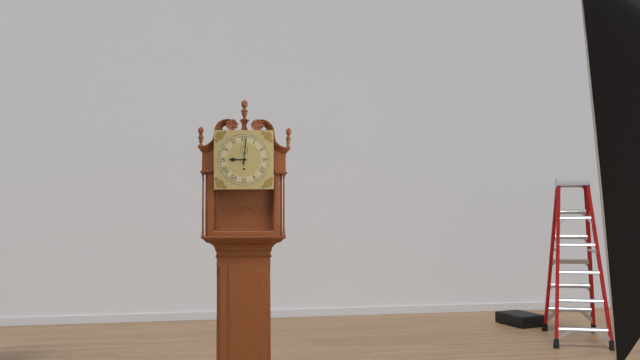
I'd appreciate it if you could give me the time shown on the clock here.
9:01
